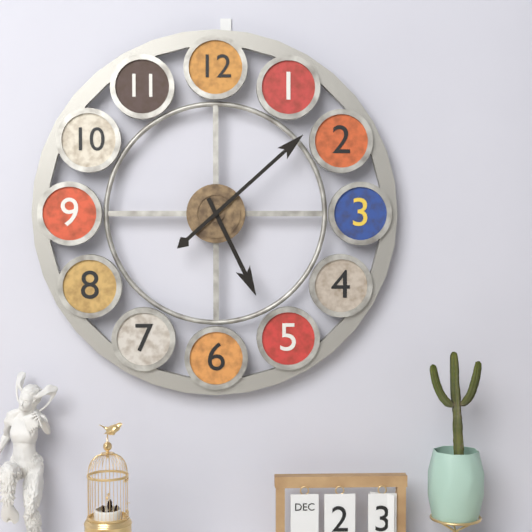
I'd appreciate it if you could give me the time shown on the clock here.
5:08
